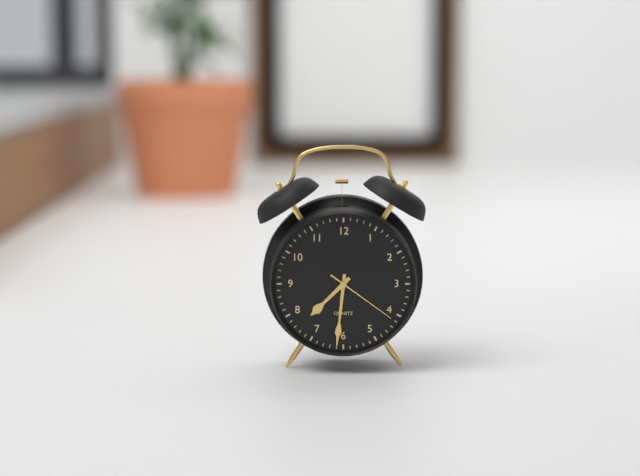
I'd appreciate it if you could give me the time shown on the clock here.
7:31:21
